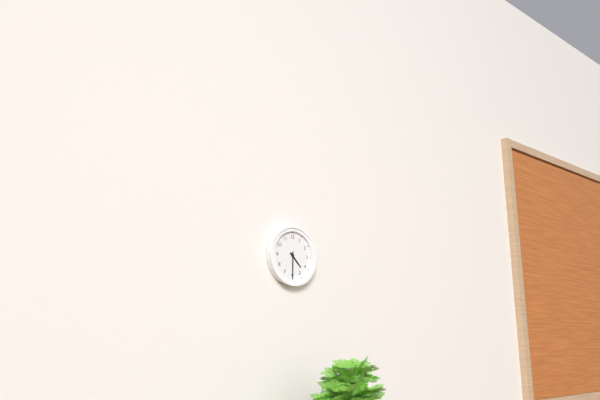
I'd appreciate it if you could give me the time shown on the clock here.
4:30
